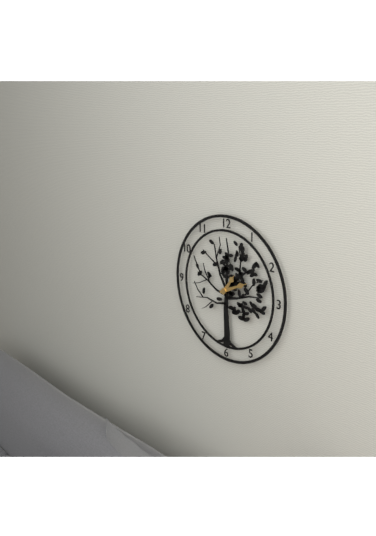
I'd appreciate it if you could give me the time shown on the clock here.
1:11
